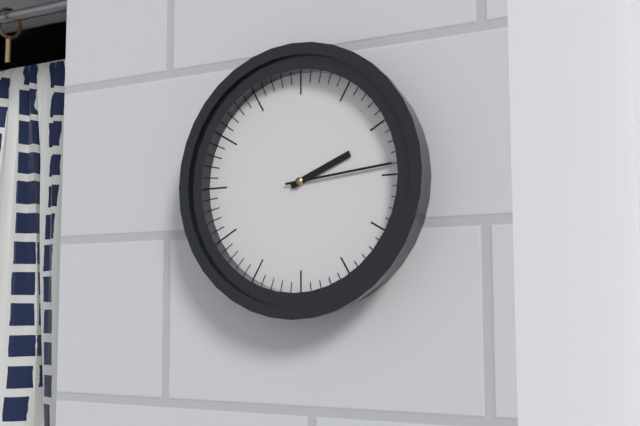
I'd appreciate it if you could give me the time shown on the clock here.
2:14
